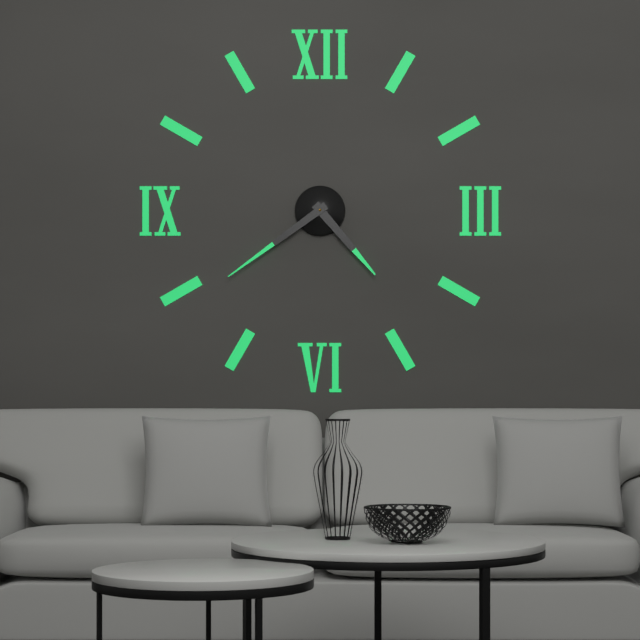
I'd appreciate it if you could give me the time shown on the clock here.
4:39
